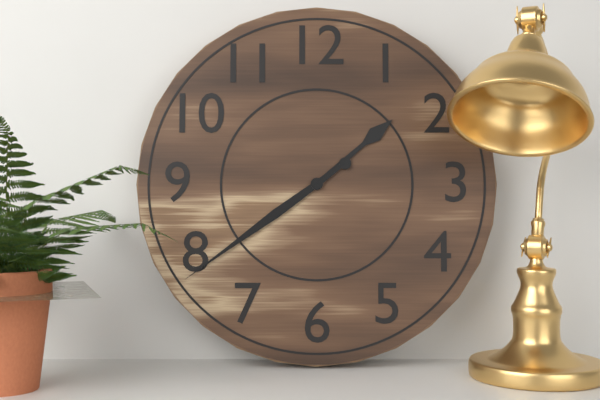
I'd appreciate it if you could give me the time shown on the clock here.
1:39
